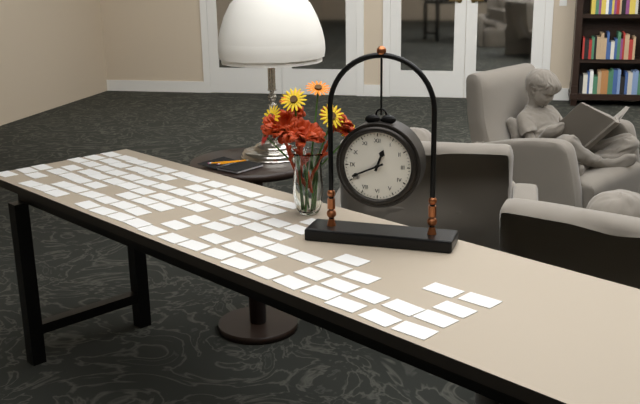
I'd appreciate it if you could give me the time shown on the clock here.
12:41
